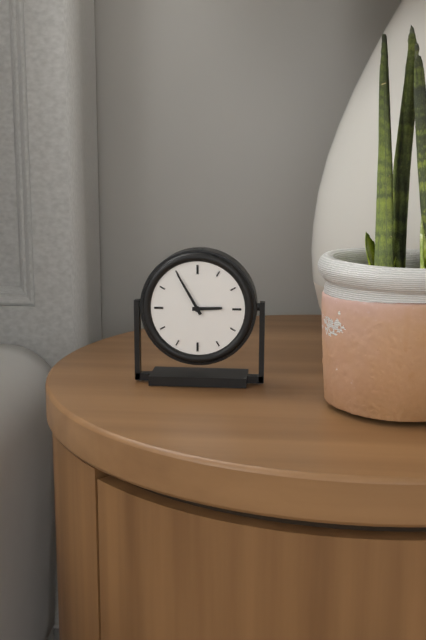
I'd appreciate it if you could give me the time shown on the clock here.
2:55
